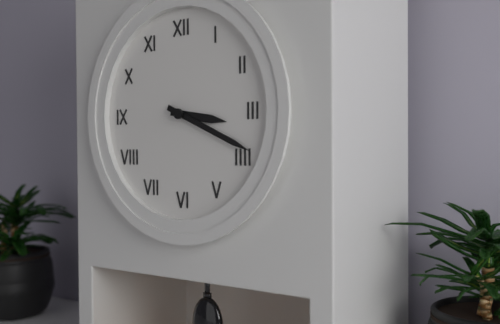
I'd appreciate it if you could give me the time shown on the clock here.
3:19
